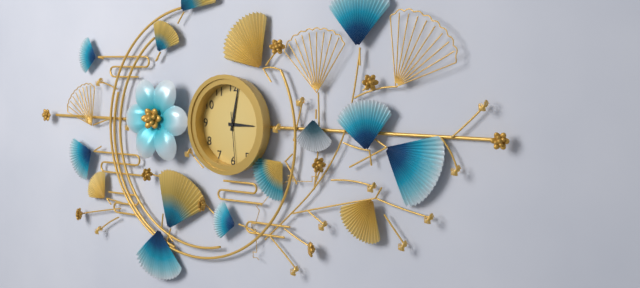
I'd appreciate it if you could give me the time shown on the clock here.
3:02
